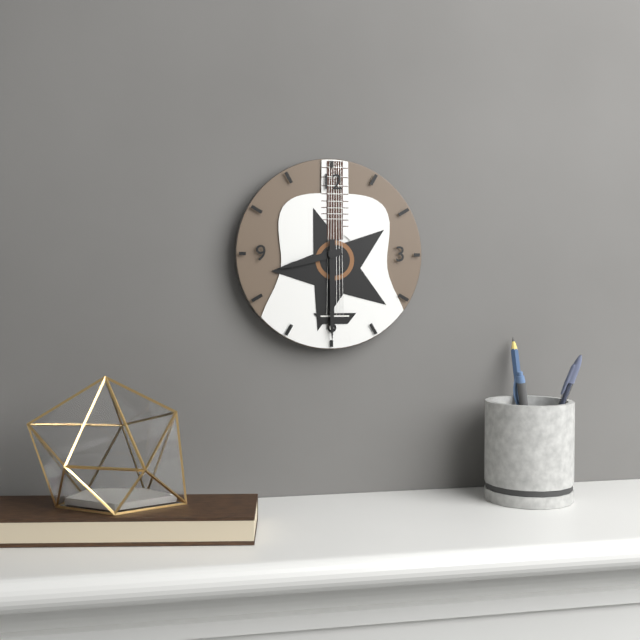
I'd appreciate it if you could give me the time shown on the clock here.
8:30
